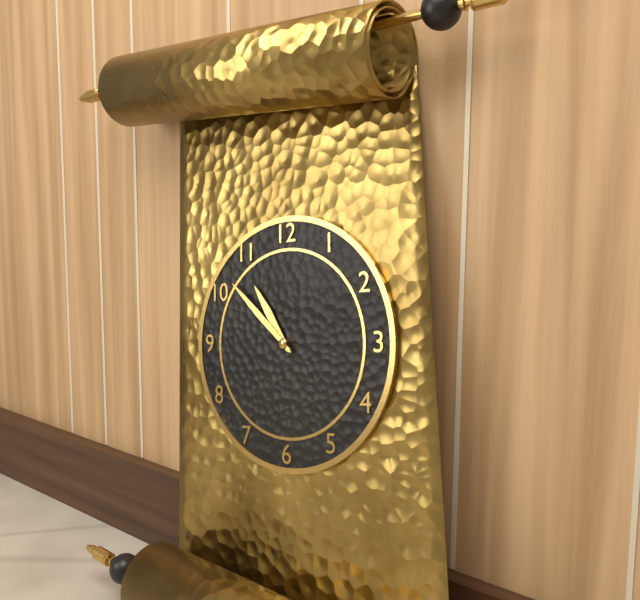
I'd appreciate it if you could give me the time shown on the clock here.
10:52
